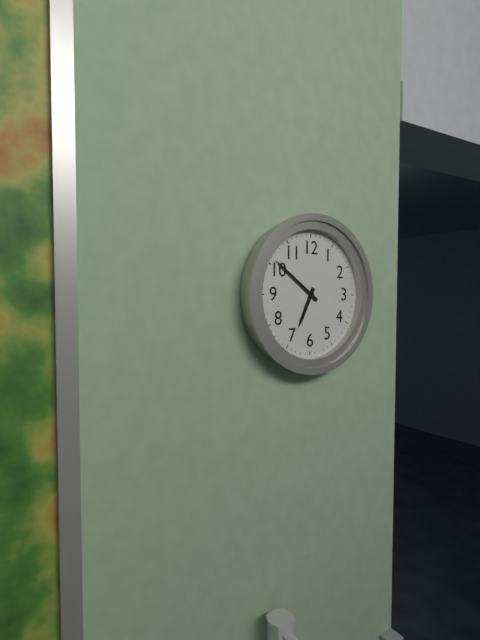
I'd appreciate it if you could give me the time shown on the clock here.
6:51
